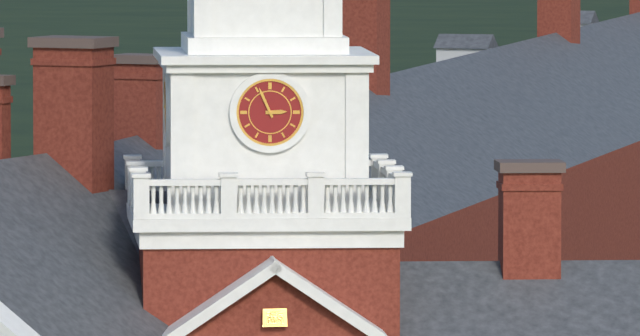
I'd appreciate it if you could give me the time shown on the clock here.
2:56
